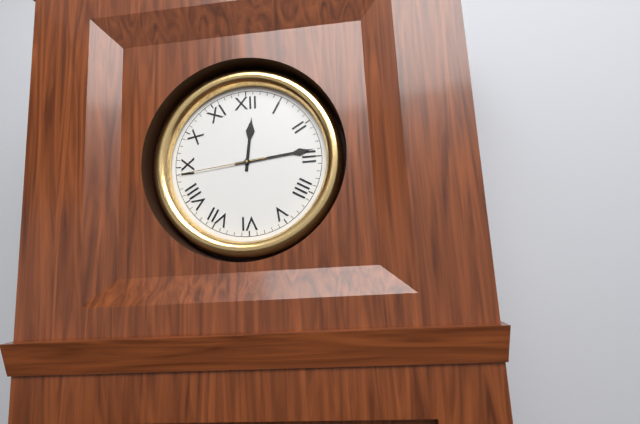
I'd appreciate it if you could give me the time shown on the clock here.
12:14:44
